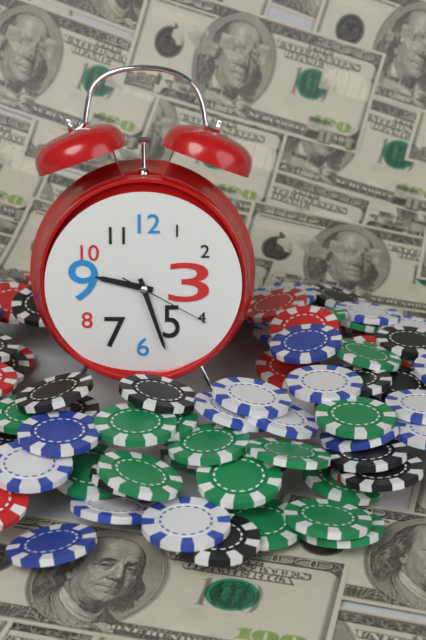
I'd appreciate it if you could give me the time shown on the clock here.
9:27:20
